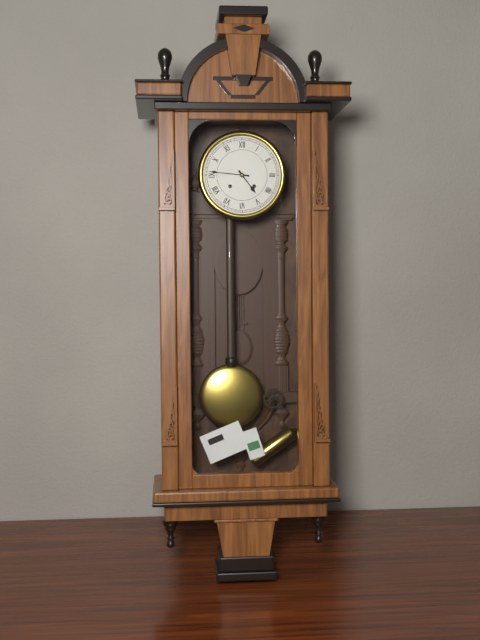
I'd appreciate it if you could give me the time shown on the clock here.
4:46
